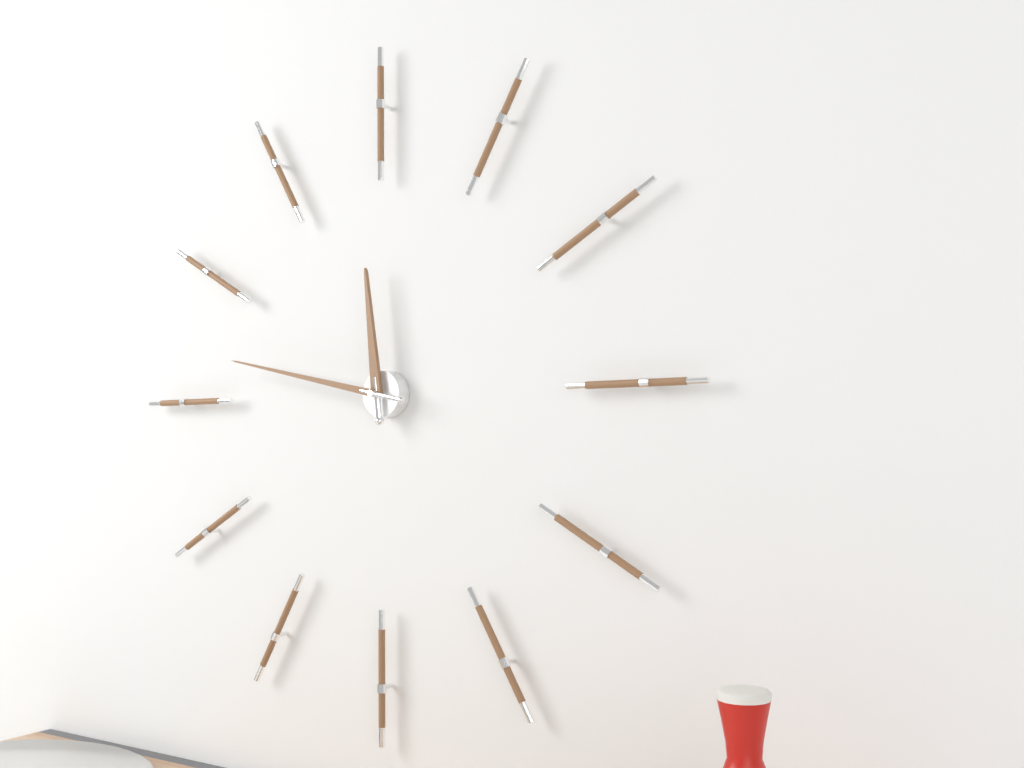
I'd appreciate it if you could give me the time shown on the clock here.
11:47
